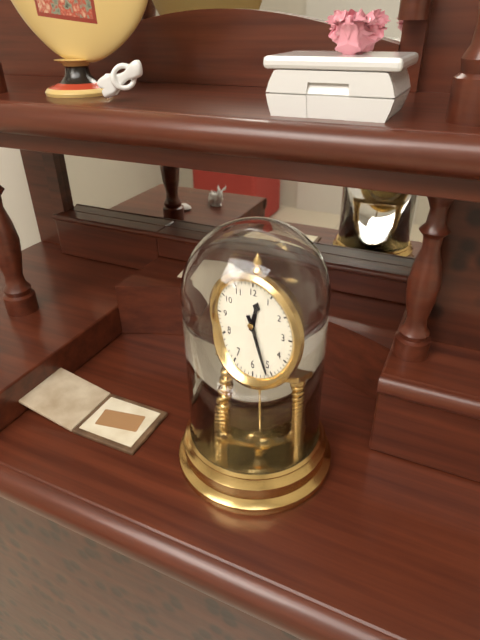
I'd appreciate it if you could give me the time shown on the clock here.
12:26
